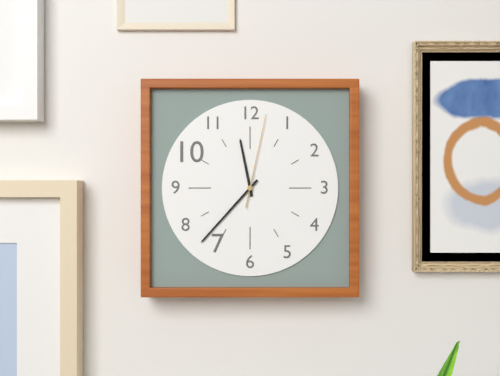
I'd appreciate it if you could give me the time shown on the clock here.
11:37:02
